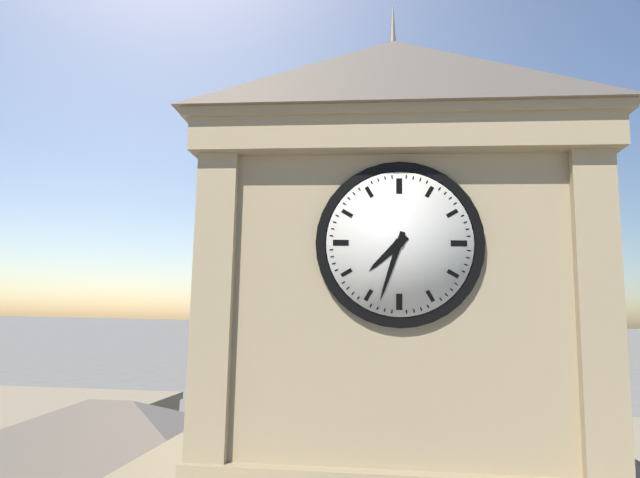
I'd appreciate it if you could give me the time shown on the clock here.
7:33
